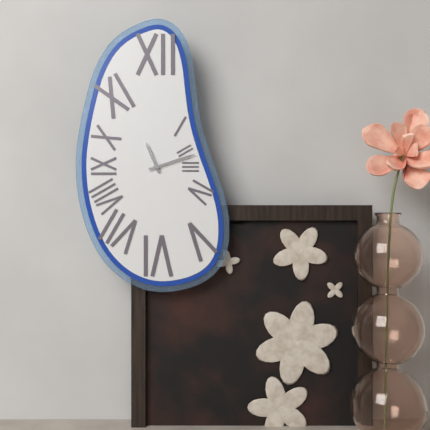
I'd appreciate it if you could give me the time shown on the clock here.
11:12
